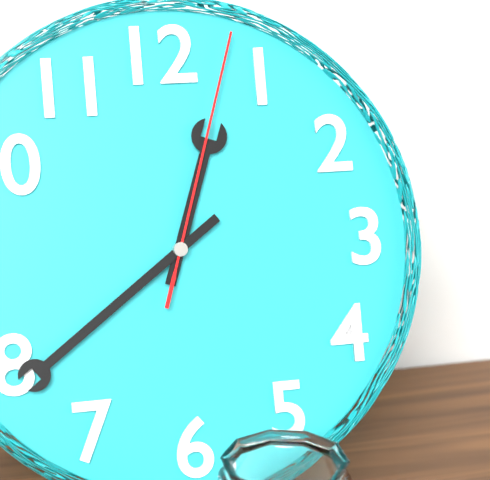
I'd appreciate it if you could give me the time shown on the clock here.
12:39:03
